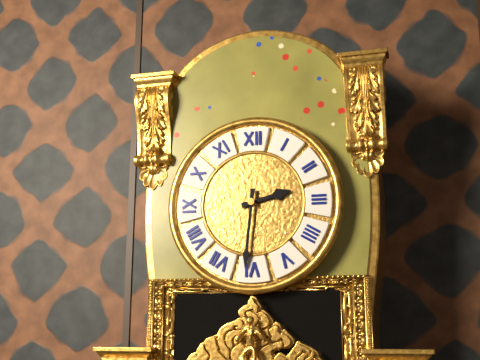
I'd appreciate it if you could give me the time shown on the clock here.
2:31
